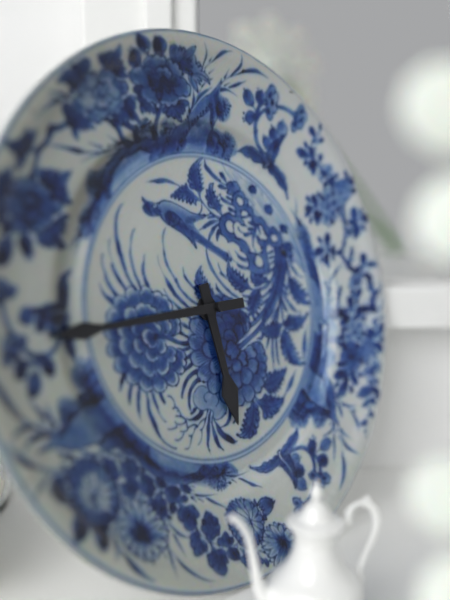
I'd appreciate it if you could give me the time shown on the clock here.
5:45
